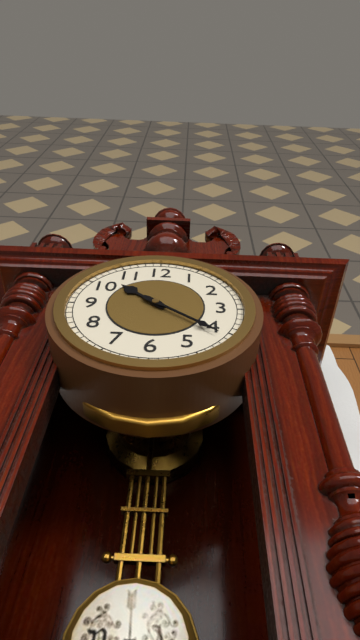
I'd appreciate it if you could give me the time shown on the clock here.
10:21
